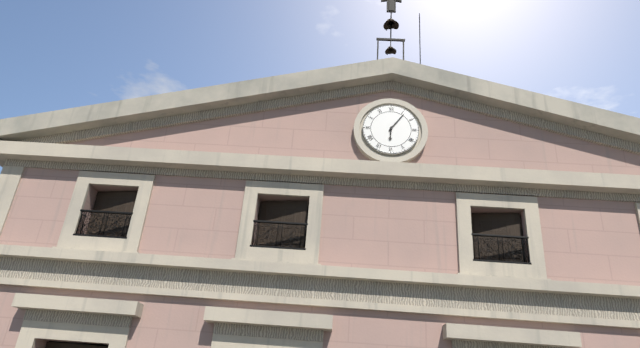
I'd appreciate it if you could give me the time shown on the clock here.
6:06
